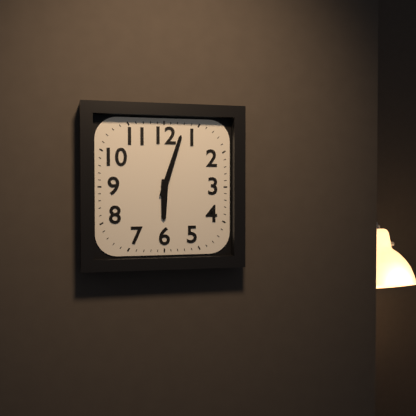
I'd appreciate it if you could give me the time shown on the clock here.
6:03
